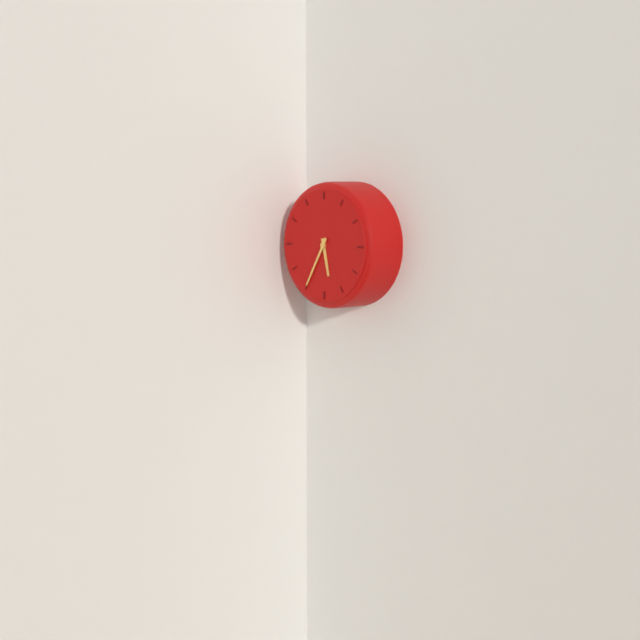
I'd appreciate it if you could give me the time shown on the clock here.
5:35
